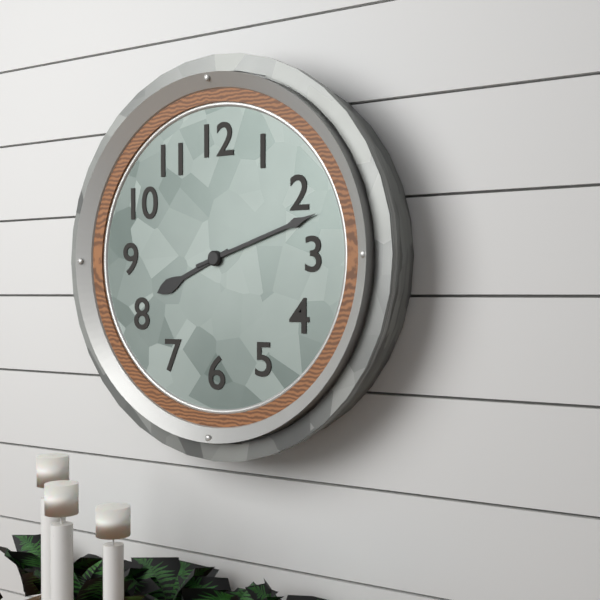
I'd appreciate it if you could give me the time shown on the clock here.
8:12
